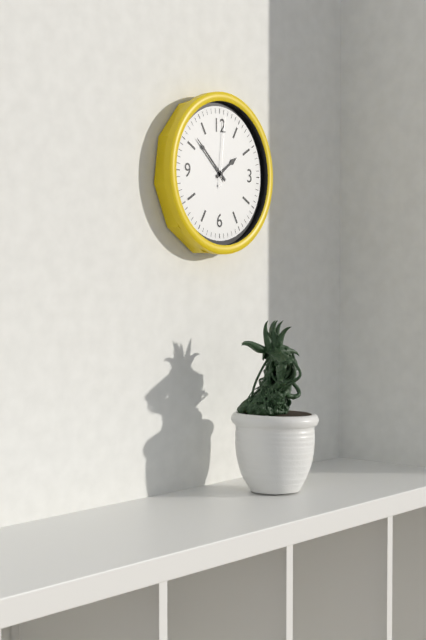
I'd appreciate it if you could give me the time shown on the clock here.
1:52:01
